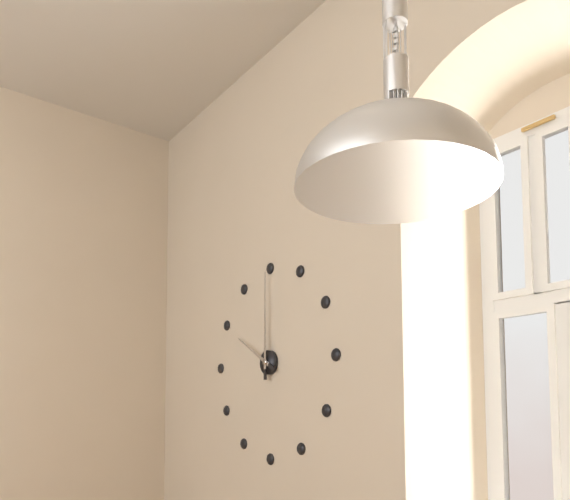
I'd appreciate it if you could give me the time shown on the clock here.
10:00
